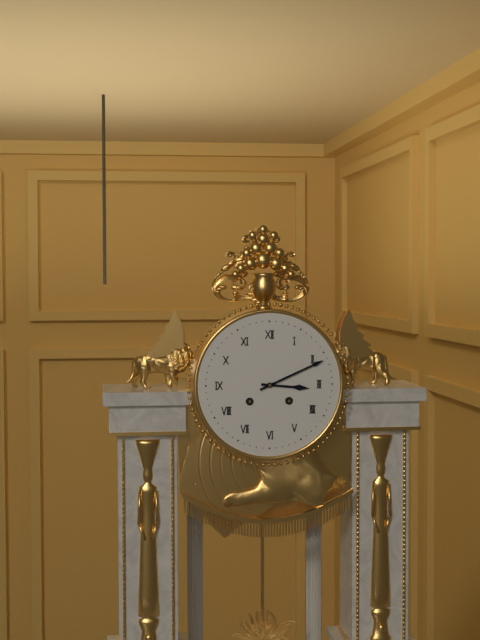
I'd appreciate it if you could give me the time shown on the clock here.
3:11
